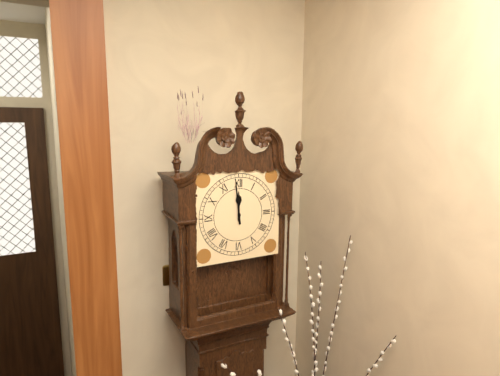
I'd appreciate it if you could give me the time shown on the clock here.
11:59
